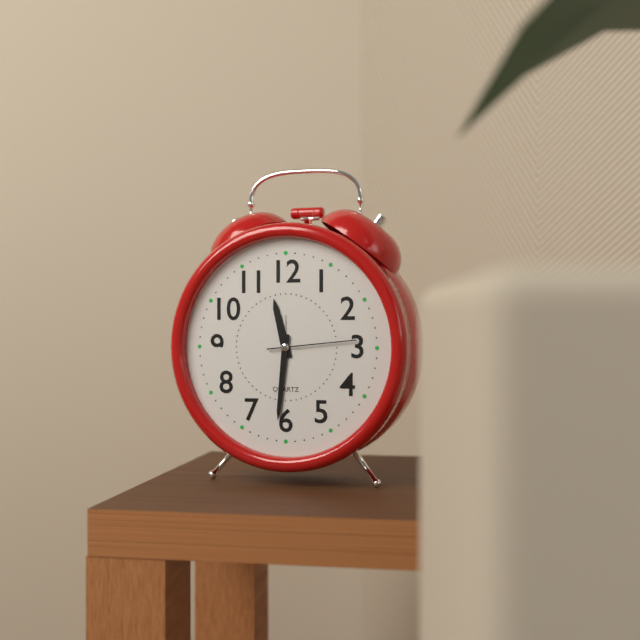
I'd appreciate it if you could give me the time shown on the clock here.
11:31:14
